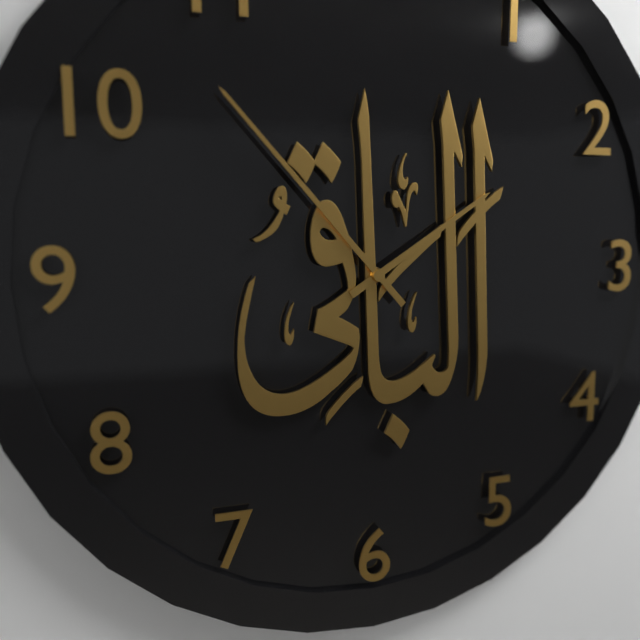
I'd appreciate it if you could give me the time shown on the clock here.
1:53
